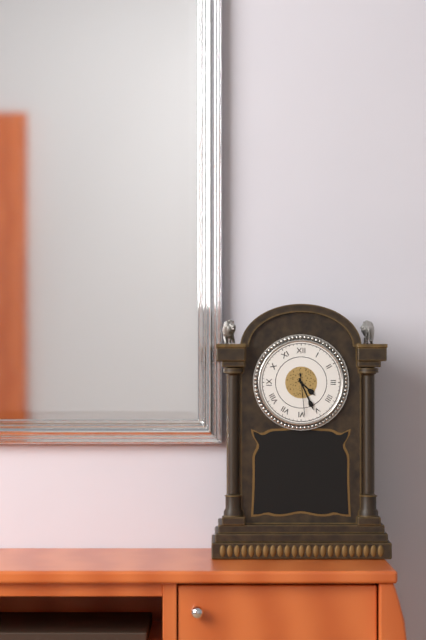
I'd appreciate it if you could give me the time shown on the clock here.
4:26
